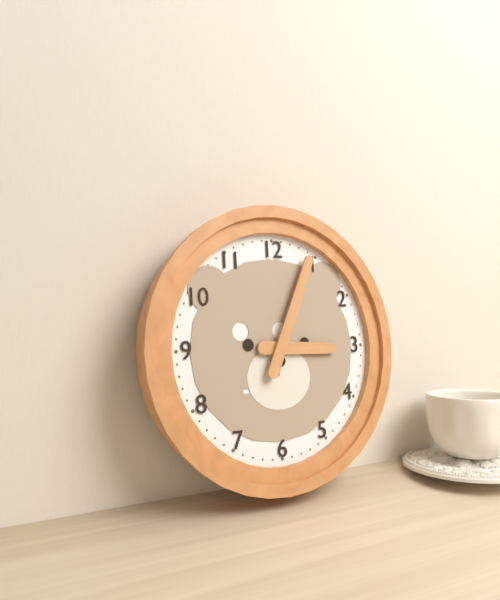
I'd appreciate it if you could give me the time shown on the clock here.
3:04
